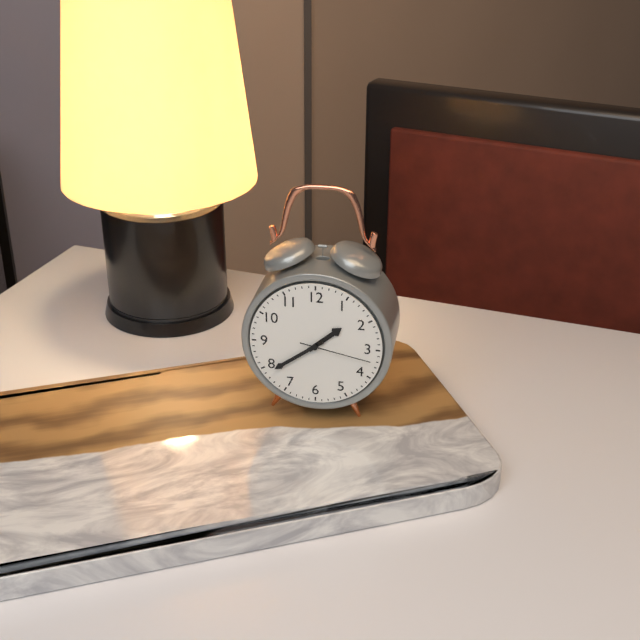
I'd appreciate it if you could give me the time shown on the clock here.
1:39:17
